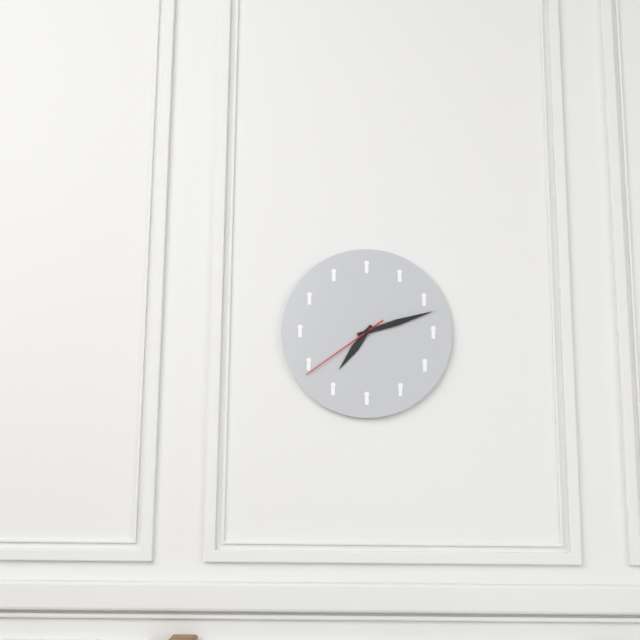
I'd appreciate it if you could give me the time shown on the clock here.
7:12:39
